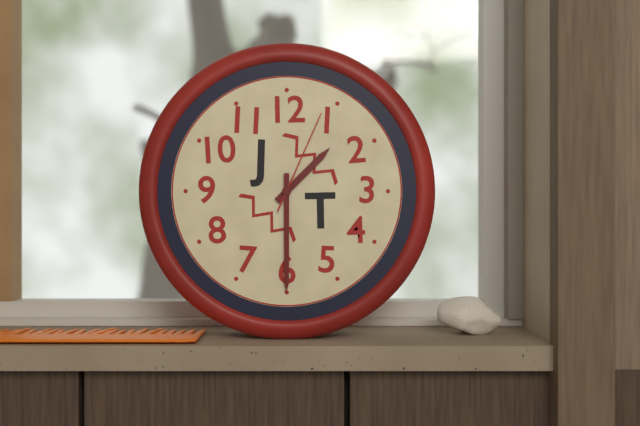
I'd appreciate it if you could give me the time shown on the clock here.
1:30:04
